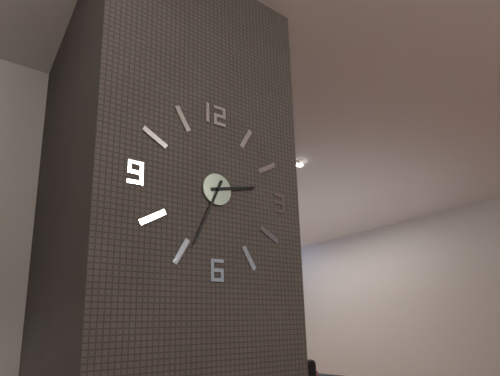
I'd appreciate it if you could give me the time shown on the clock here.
2:34
